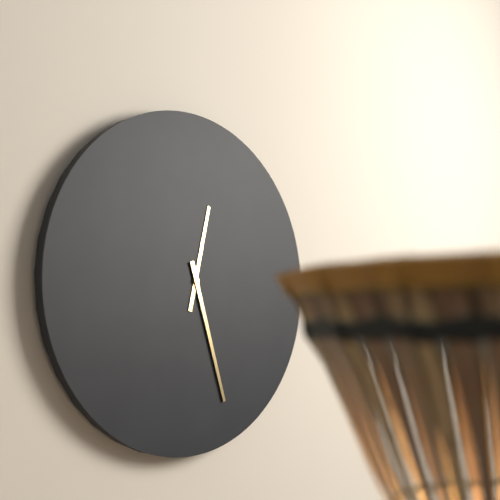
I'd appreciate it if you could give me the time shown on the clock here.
12:27
